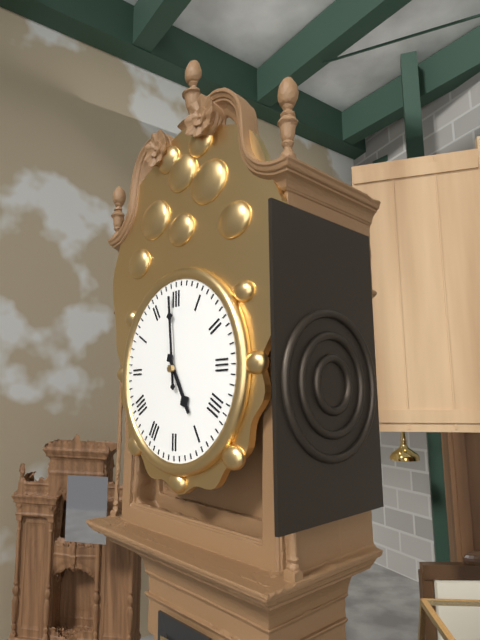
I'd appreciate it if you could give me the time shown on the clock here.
4:59
